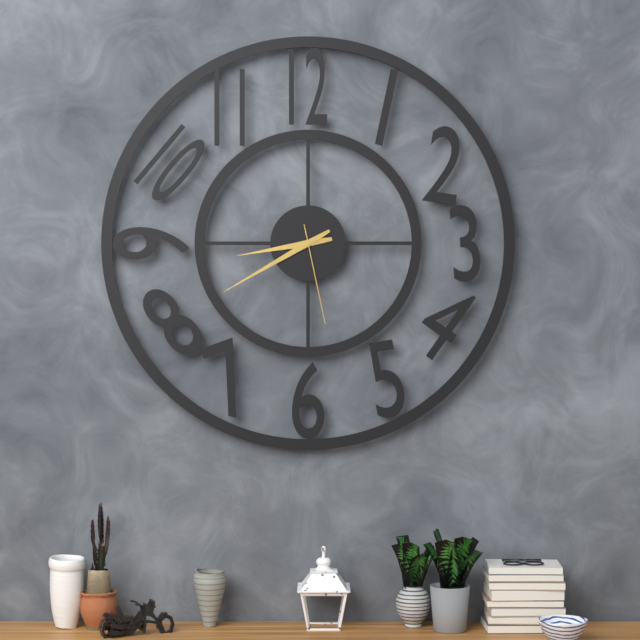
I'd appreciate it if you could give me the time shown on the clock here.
8:40:28
